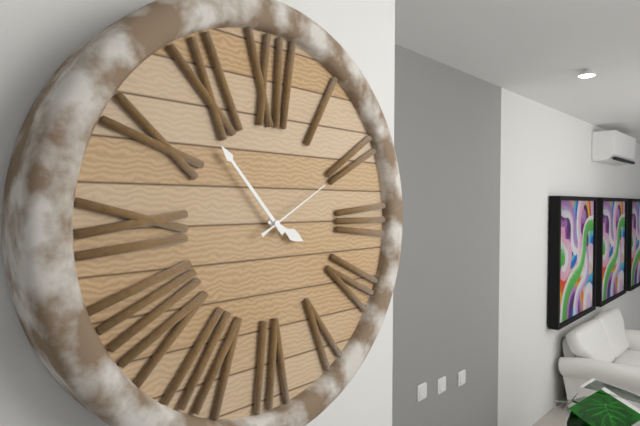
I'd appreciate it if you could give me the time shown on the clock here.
3:53:10
